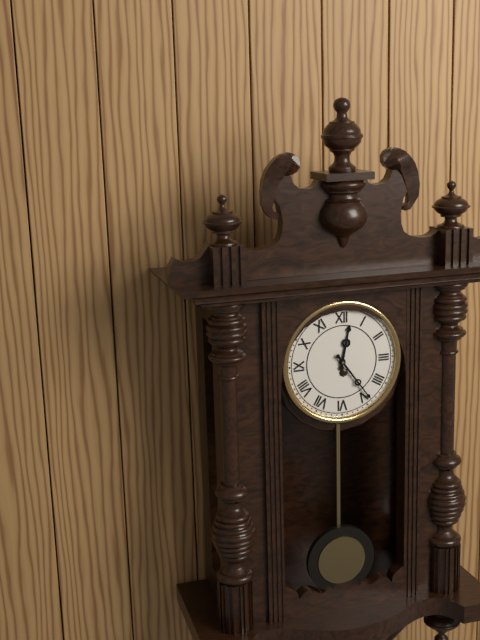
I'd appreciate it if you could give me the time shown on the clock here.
12:24
